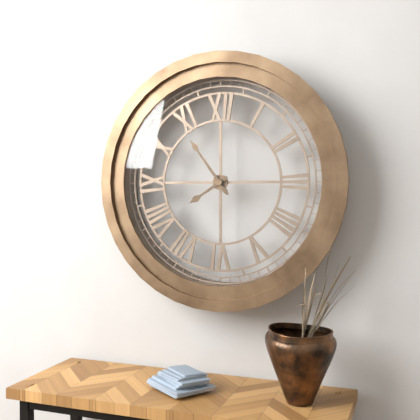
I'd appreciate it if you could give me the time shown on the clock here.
7:54
